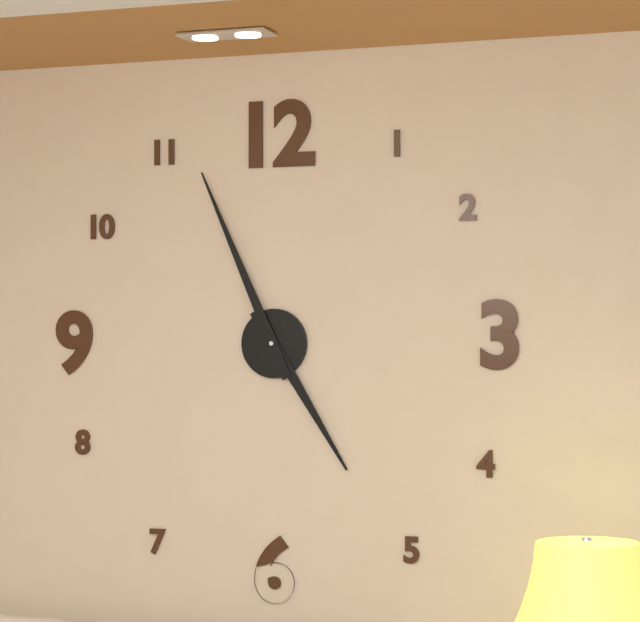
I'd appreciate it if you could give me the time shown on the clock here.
4:56
